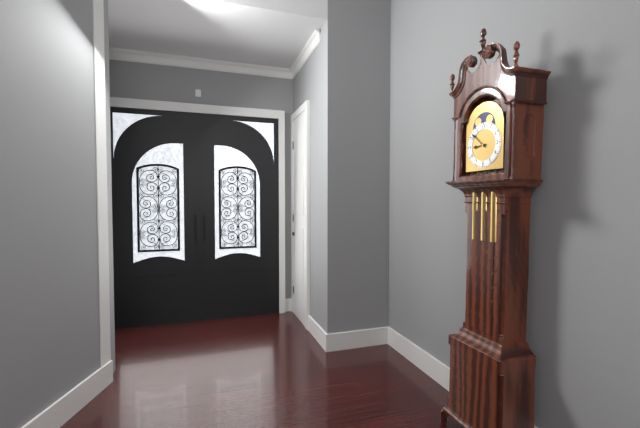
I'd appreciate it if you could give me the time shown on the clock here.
8:52
